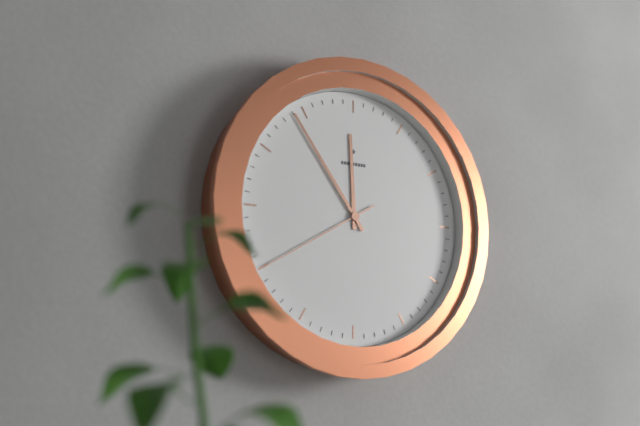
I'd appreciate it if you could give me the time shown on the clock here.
11:54:40
